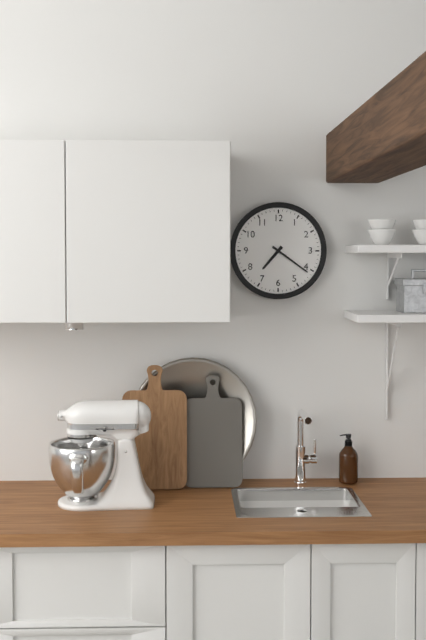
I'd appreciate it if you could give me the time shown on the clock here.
7:21
